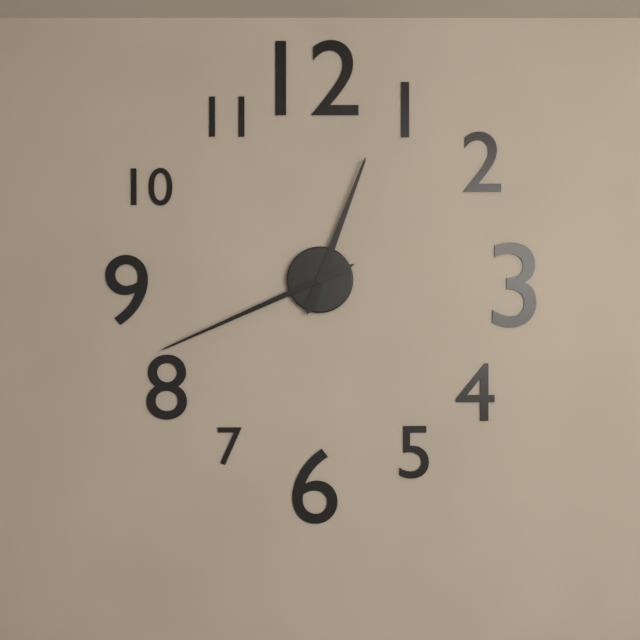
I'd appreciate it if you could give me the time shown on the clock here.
12:41
